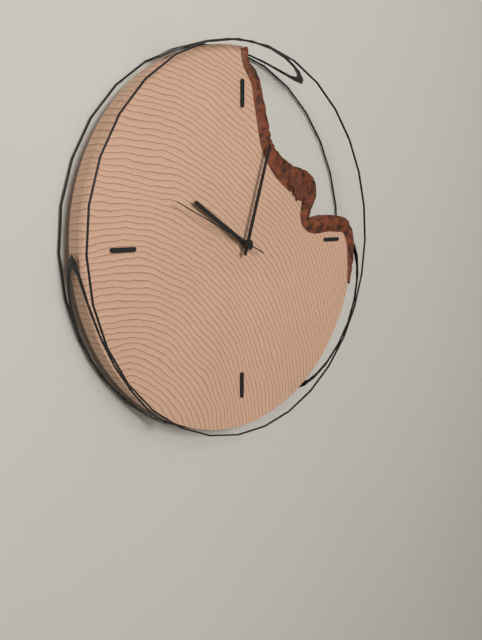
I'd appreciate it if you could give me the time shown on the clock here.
10:03:49
